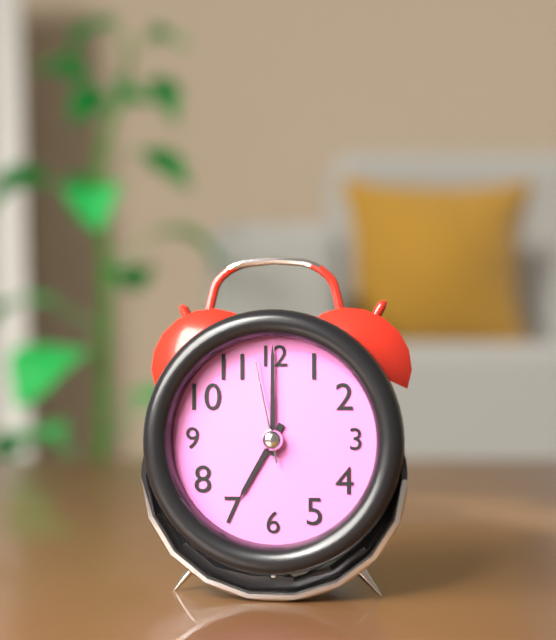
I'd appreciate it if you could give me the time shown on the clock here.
7:00:58
